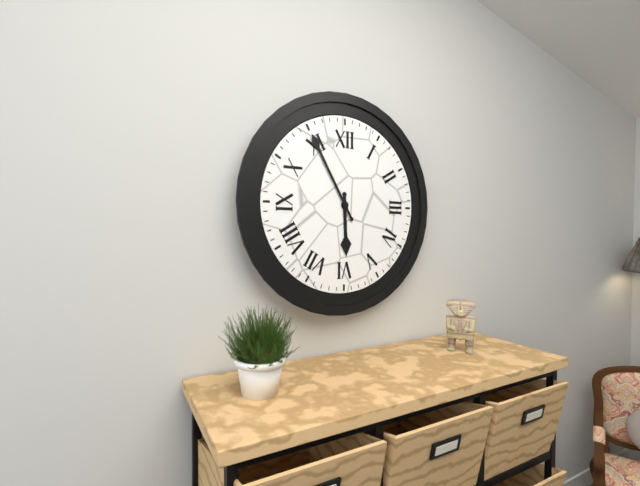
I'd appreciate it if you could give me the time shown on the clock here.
5:55
